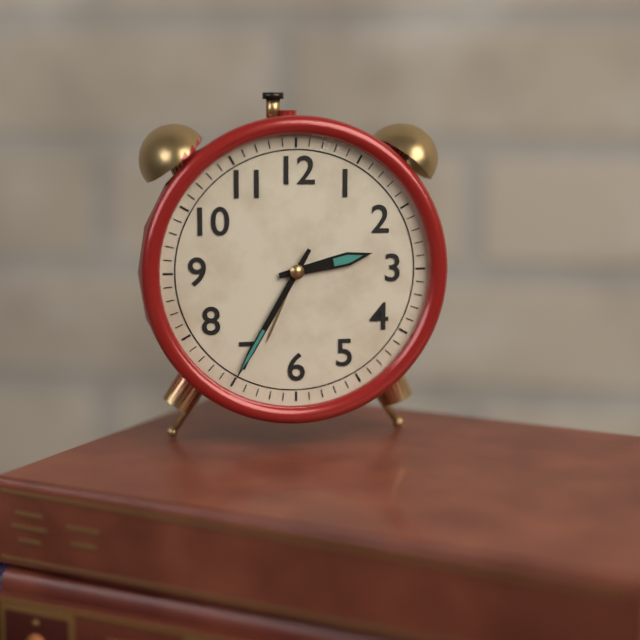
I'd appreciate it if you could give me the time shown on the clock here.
2:35
